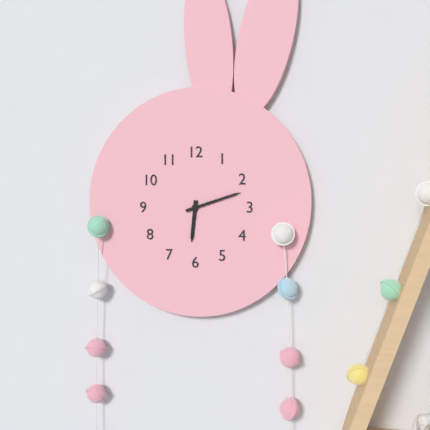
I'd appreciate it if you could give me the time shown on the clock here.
6:12
